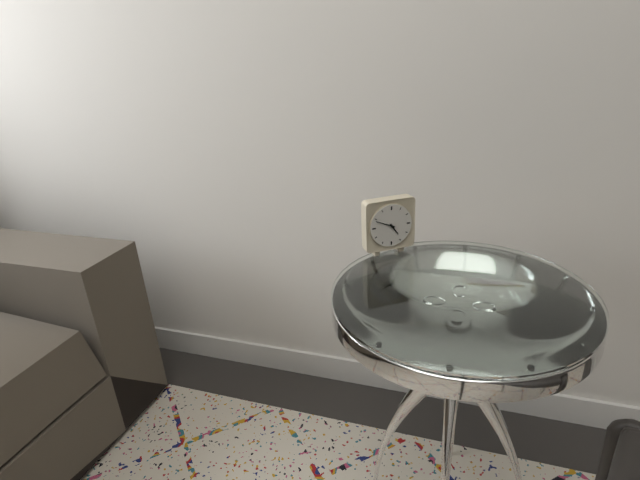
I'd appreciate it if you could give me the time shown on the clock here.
4:49
